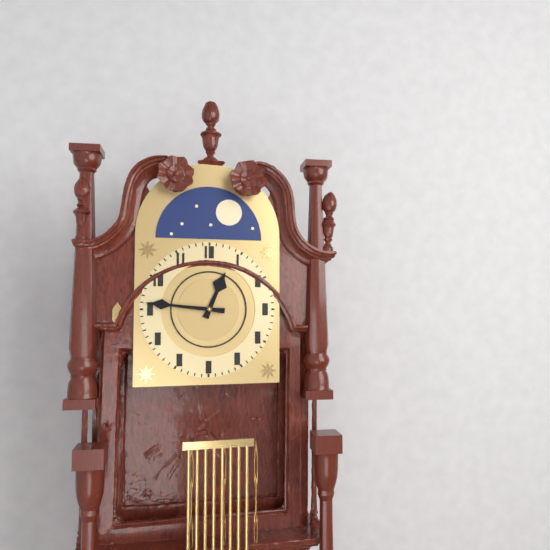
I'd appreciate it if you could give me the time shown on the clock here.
12:46
